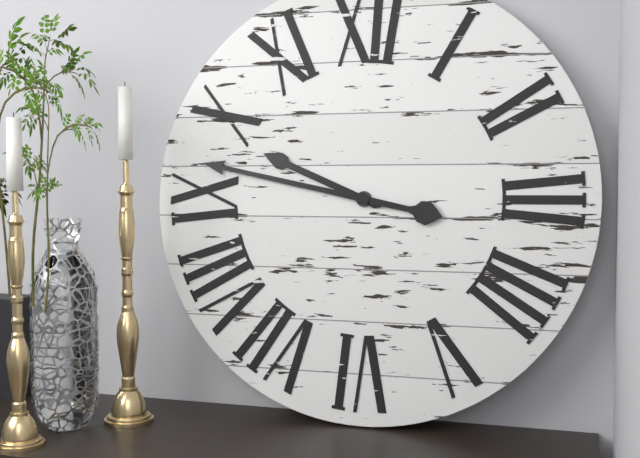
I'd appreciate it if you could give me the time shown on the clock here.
9:47
